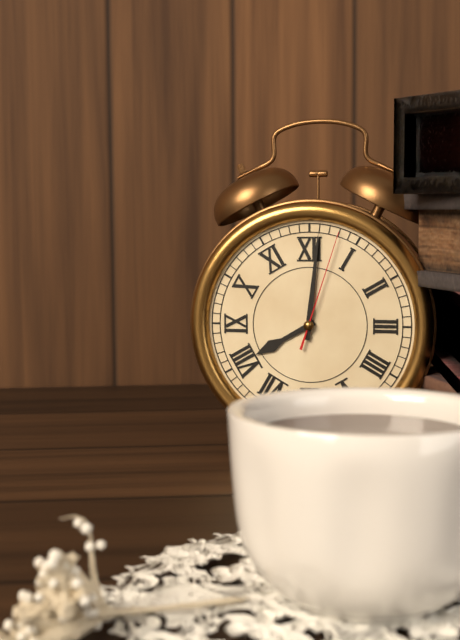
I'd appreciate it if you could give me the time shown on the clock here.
8:01:03
